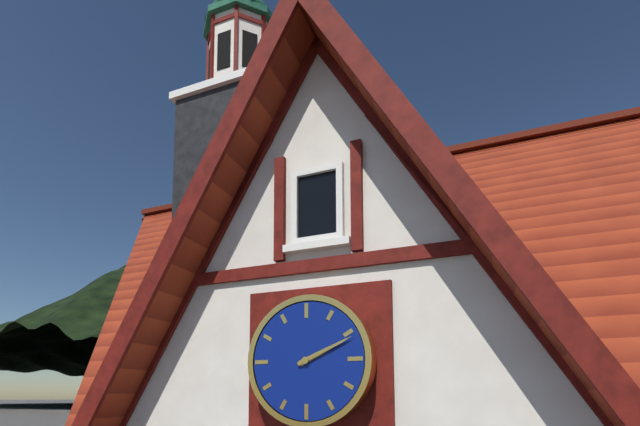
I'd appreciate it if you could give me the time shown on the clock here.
2:11
